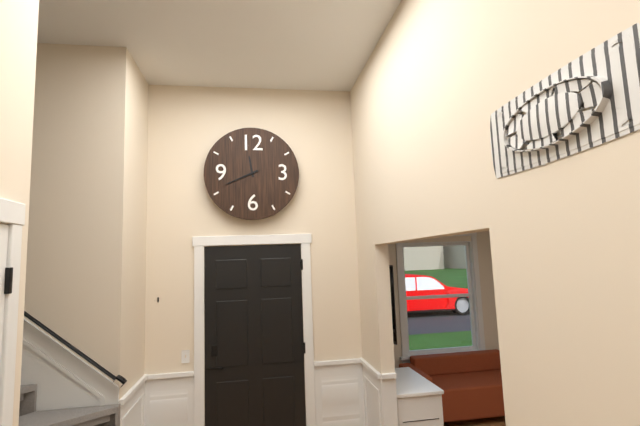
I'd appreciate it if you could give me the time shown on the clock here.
11:41
